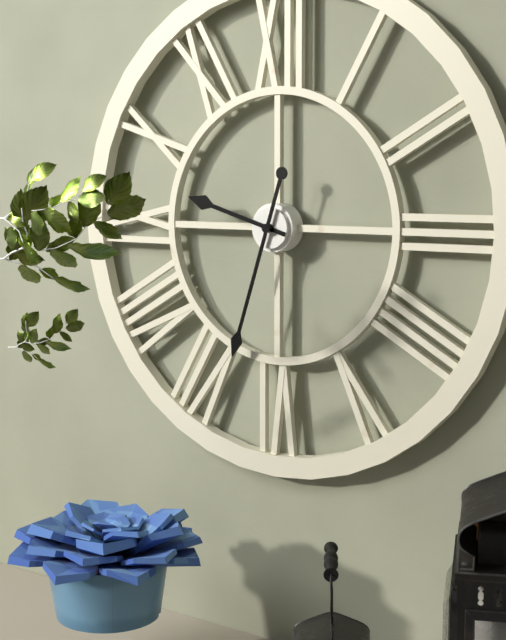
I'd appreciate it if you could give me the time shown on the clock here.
9:33
